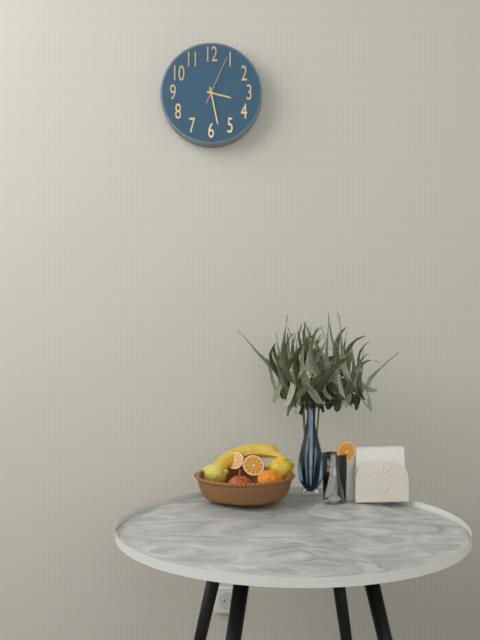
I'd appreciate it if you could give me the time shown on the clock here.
3:28:04
